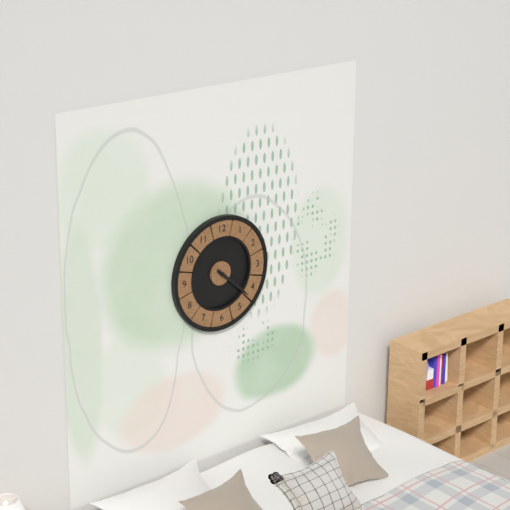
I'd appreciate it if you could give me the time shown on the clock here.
4:22
